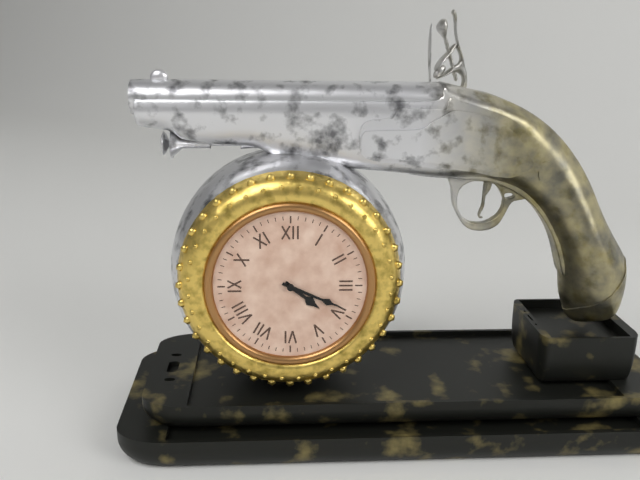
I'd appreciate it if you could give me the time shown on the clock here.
4:19
